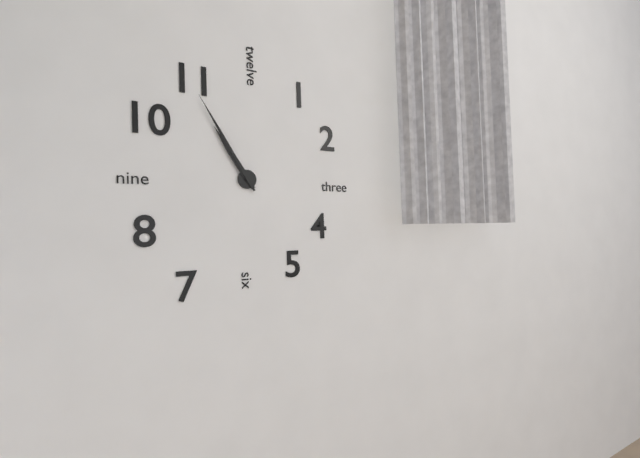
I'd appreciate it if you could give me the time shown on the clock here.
10:55
